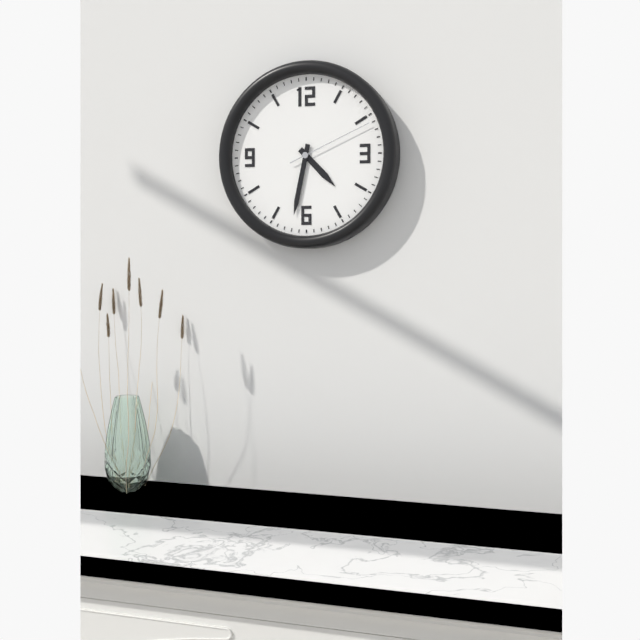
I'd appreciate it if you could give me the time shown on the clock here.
4:32:11
